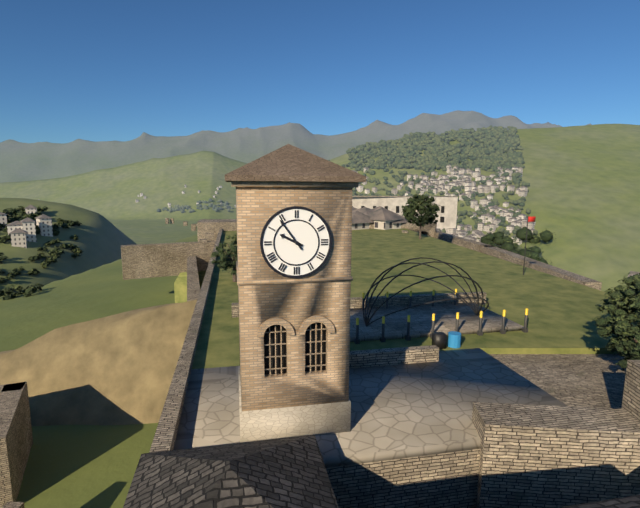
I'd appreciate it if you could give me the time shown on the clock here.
9:54
